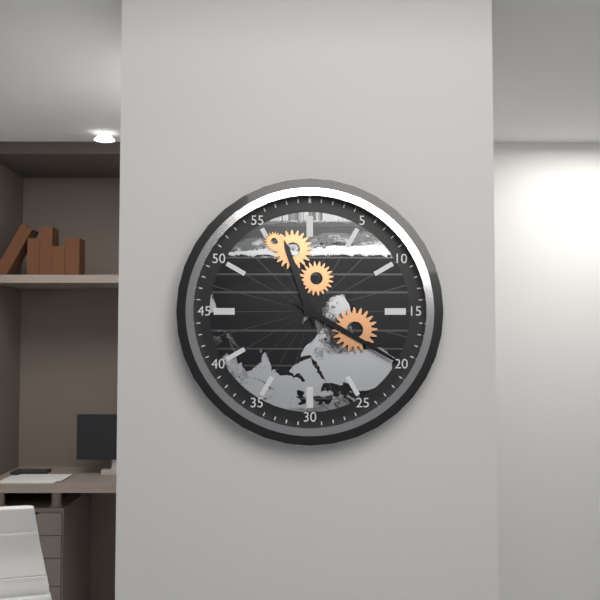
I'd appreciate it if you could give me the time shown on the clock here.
11:20
